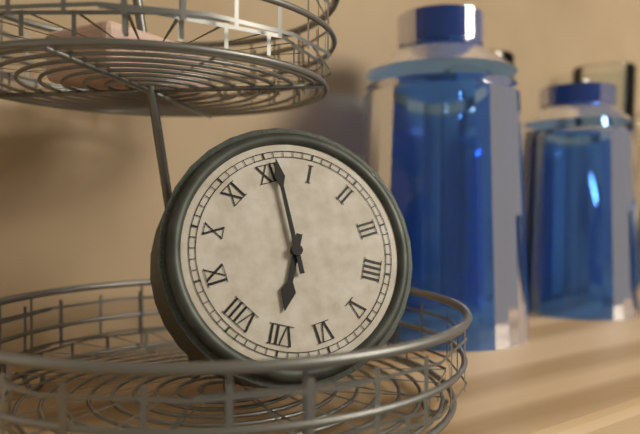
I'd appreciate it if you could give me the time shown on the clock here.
7:01
